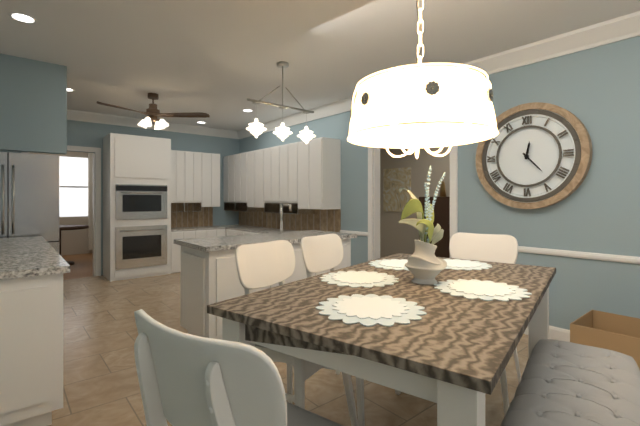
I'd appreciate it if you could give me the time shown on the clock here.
12:23
